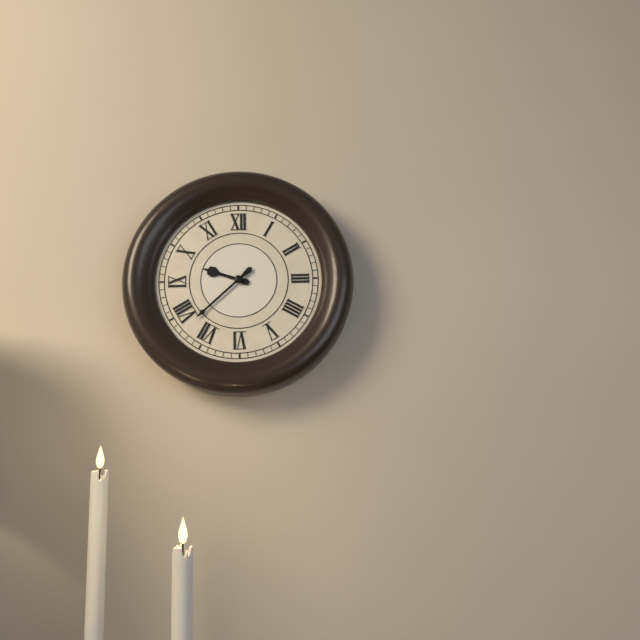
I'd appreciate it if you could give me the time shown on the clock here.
9:38
